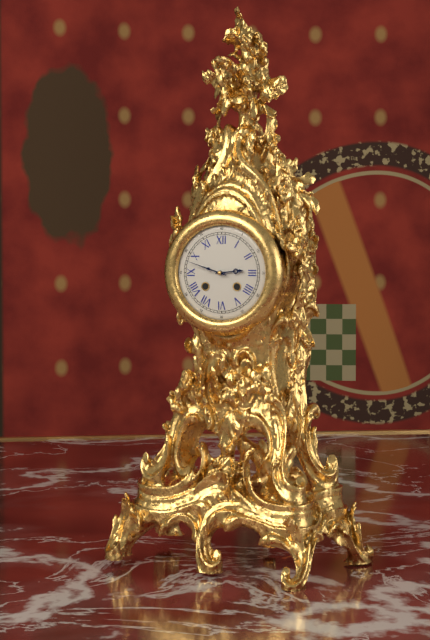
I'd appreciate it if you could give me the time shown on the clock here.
2:48
